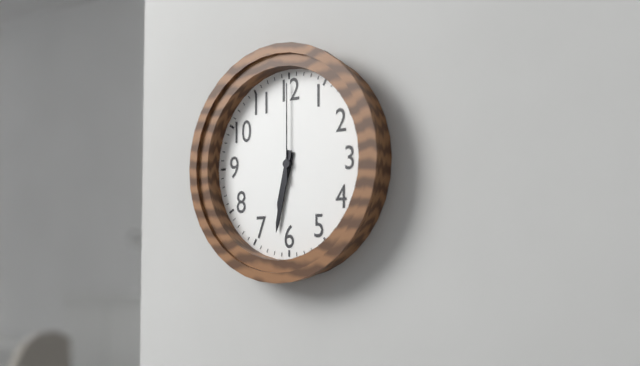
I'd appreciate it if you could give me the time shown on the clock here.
6:32:00
